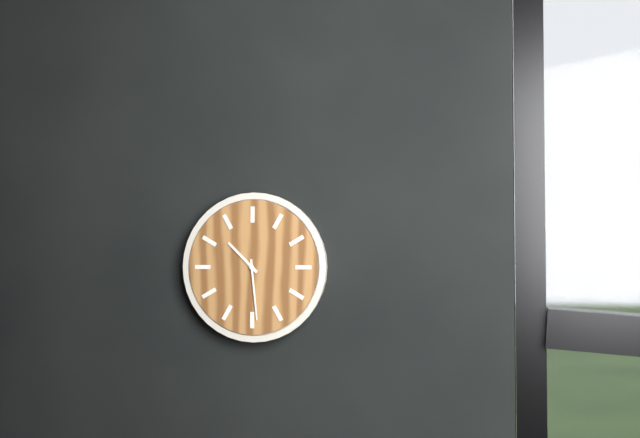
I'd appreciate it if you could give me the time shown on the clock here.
10:29
